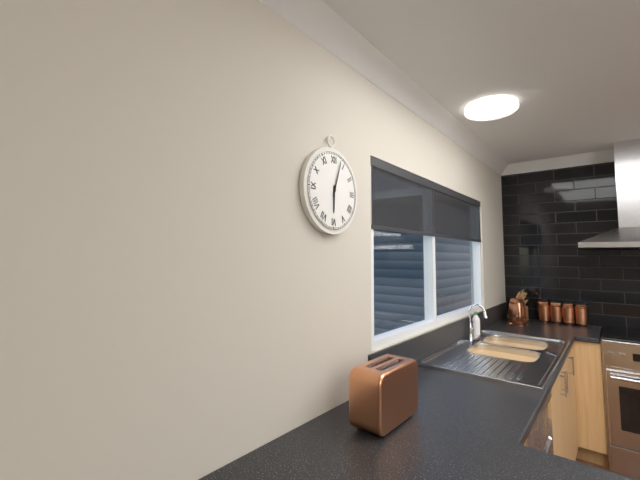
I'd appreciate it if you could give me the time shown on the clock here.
6:03
